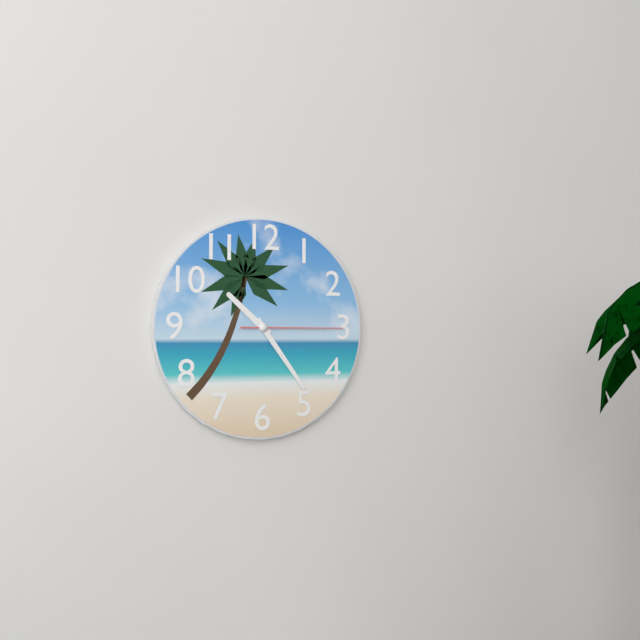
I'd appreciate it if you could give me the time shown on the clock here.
10:24:15
